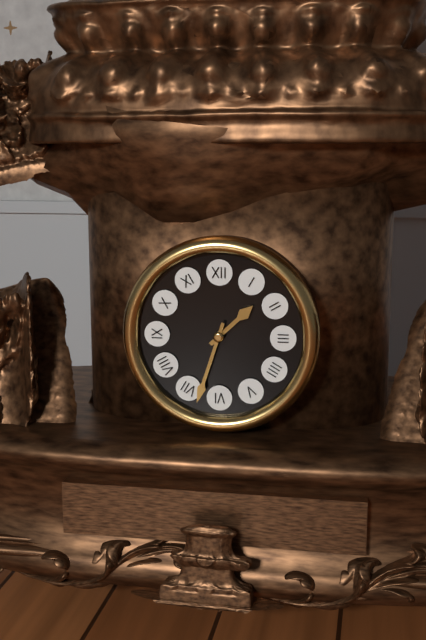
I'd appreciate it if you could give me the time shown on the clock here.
1:33
